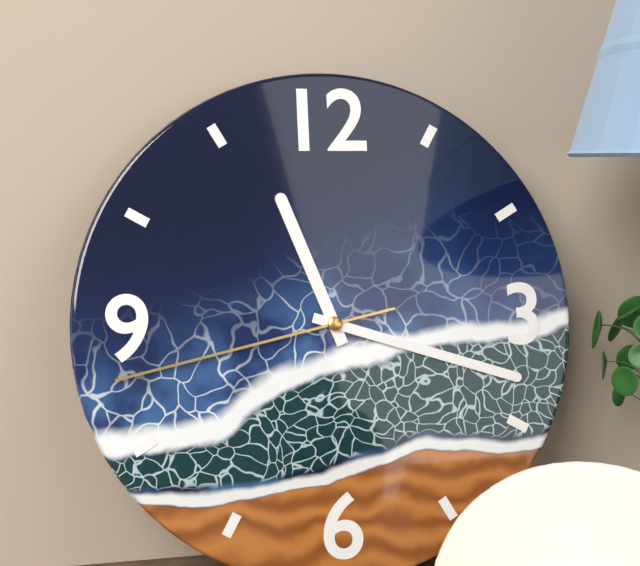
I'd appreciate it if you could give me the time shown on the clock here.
11:18:43
